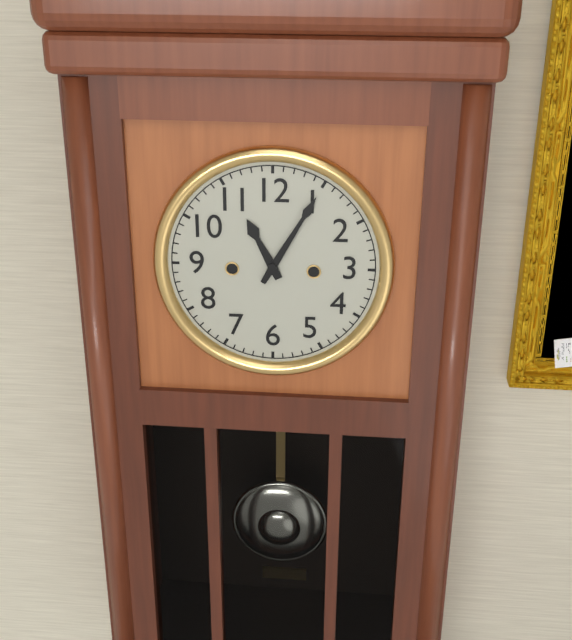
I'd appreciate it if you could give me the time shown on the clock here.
11:05
